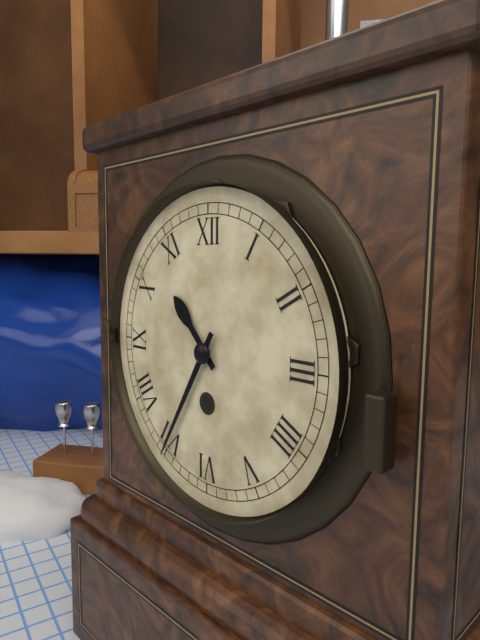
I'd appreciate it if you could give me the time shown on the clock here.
10:35
